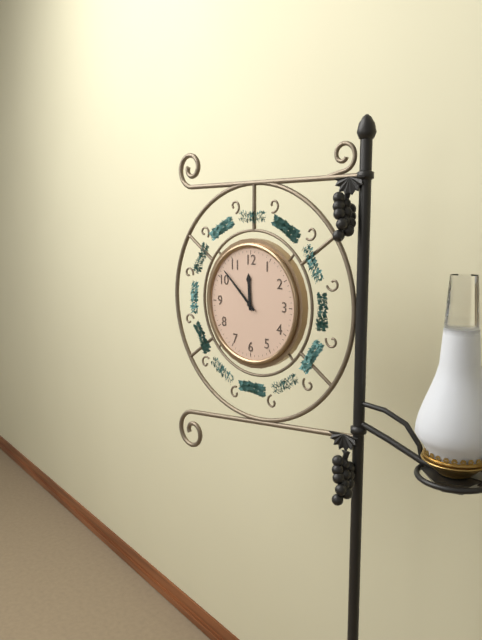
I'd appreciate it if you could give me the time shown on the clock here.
11:52
